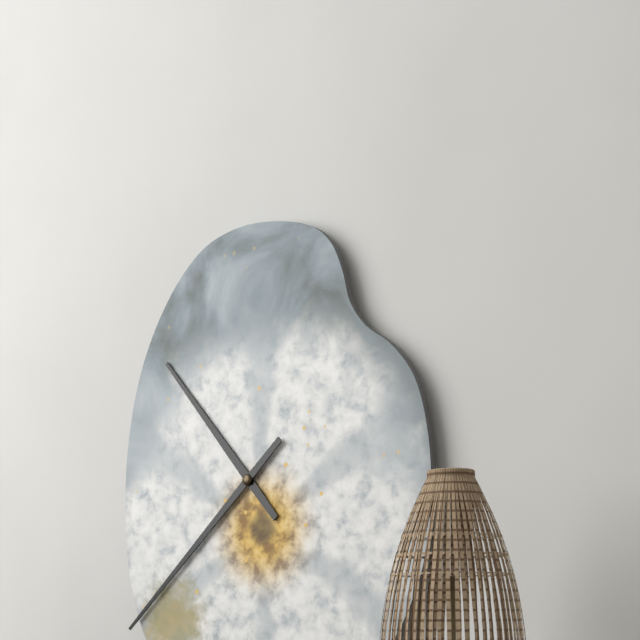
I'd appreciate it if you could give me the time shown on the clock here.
10:38
